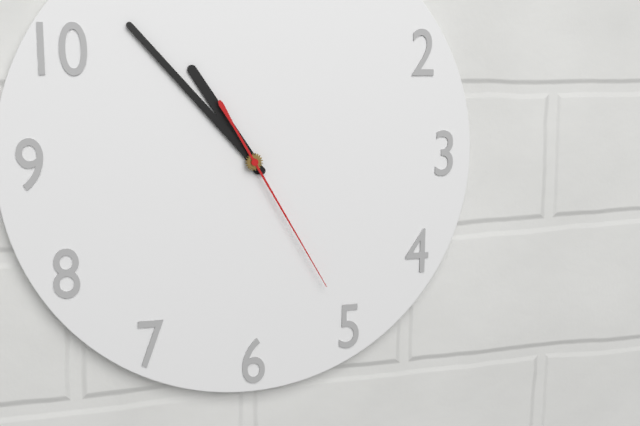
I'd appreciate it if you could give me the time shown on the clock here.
10:53:25
